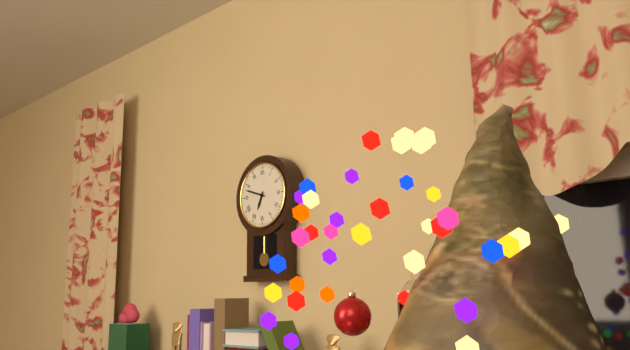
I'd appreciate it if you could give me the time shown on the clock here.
6:48
